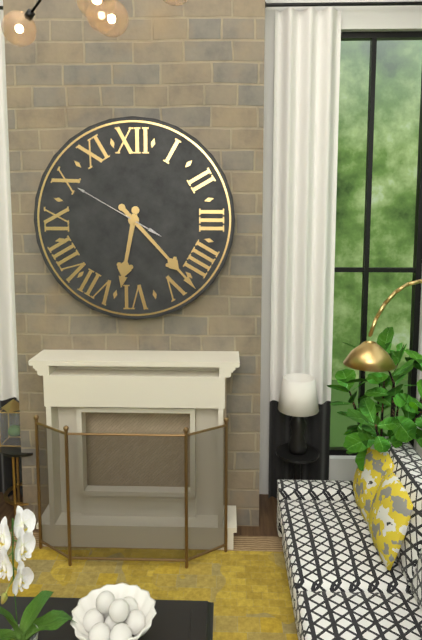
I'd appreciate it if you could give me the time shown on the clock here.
6:23:50
